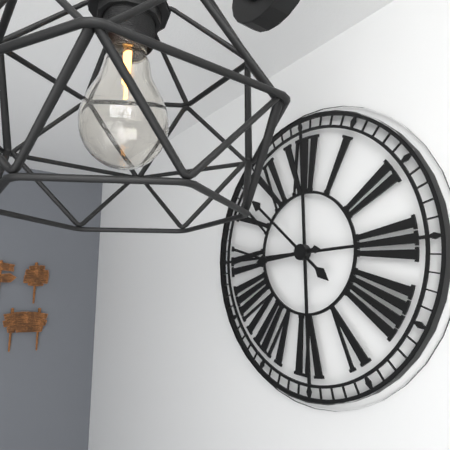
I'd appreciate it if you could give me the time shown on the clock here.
8:52
